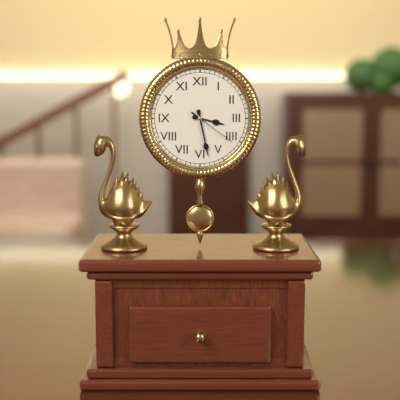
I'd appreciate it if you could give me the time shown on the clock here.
3:28:21
